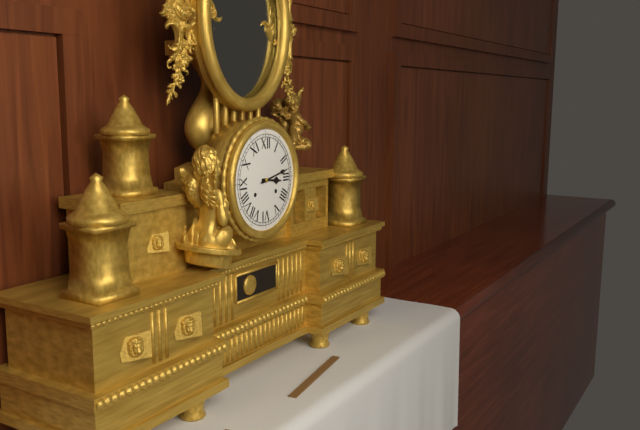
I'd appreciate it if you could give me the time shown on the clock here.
3:13
